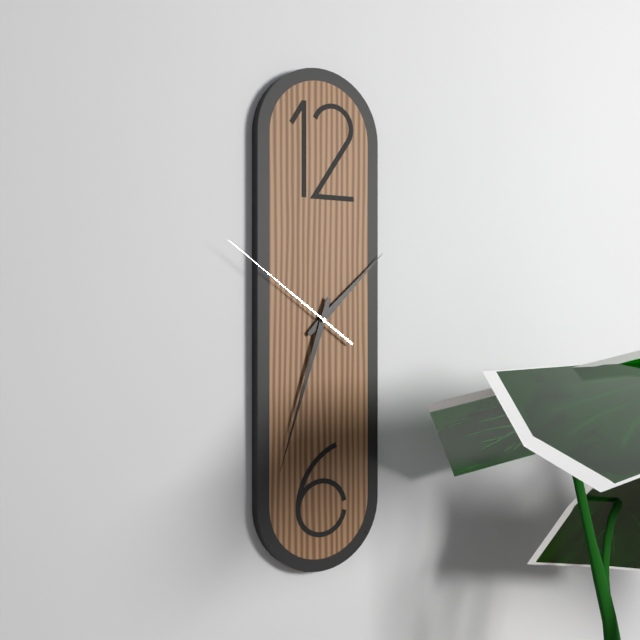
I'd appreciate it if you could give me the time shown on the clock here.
1:33:51
